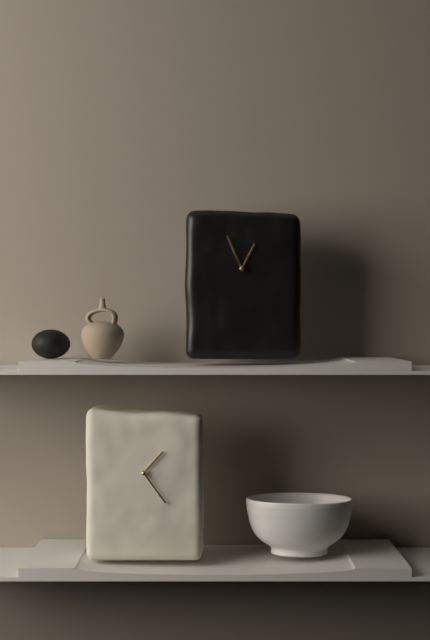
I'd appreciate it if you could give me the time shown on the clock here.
12:56
